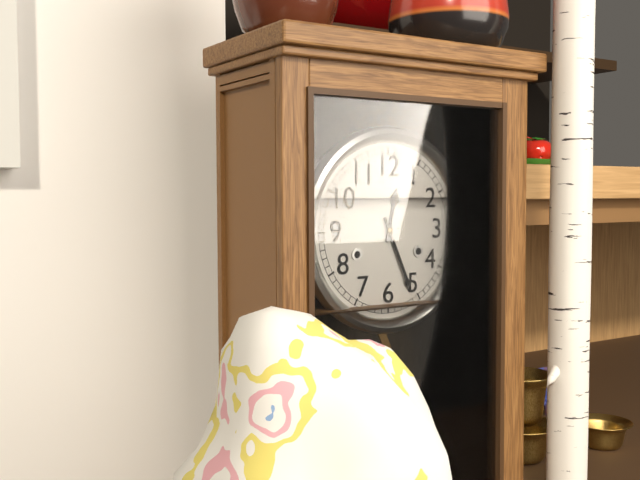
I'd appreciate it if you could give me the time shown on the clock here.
12:26
